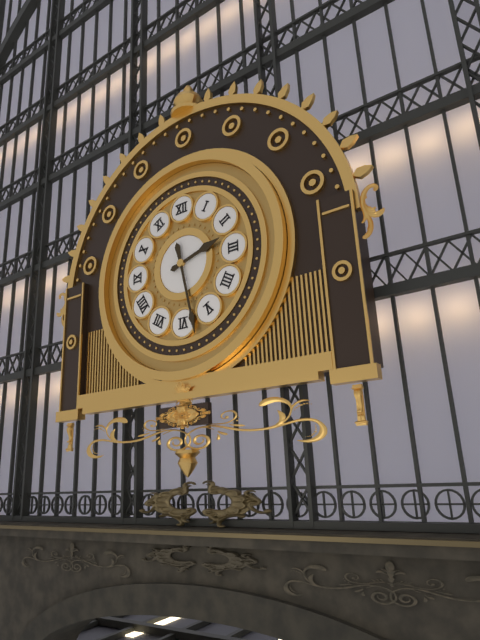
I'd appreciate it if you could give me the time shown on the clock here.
2:28
